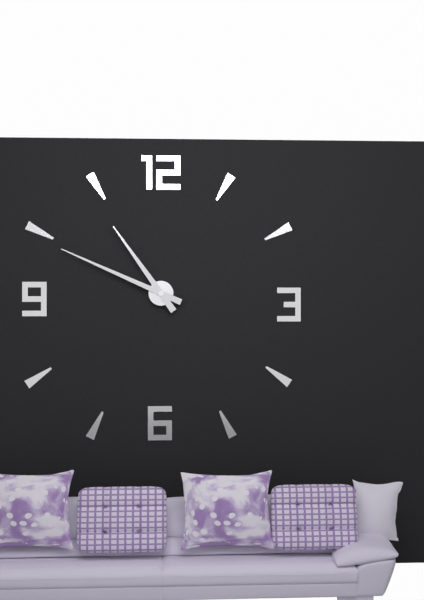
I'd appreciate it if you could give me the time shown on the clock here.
10:49
